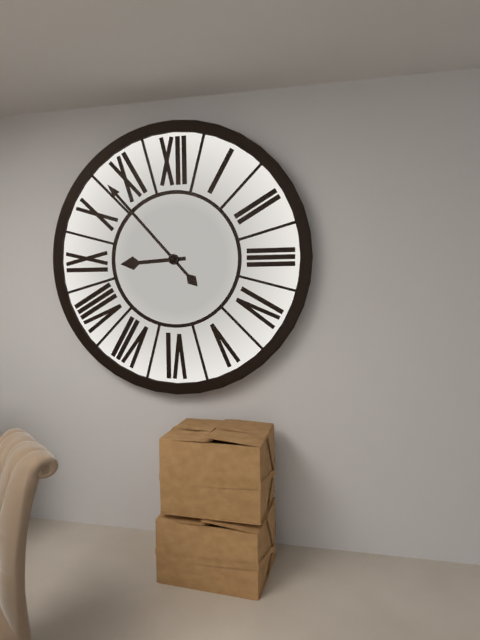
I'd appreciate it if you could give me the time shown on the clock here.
8:53
